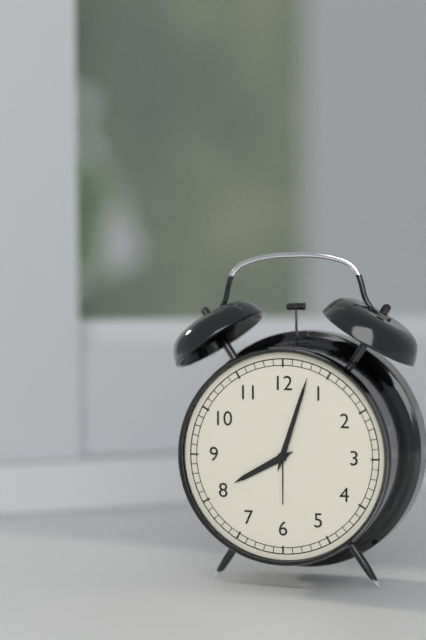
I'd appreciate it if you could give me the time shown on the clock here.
8:03
